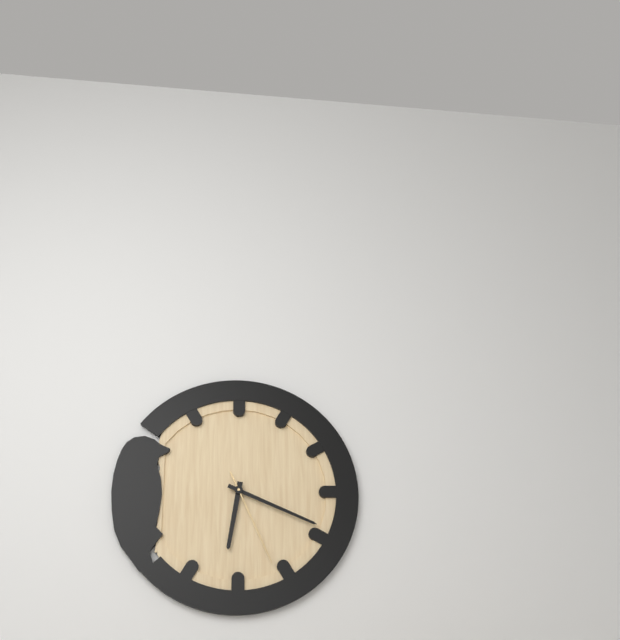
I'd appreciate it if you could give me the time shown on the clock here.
6:19:26
